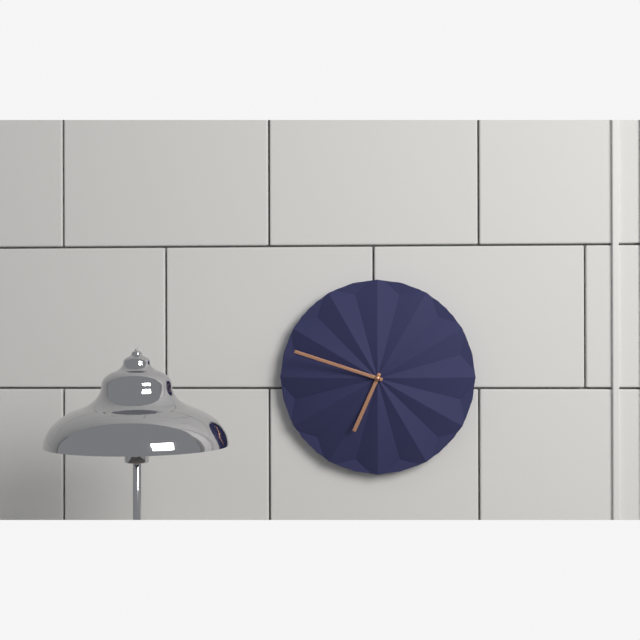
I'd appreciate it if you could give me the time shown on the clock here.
6:48
